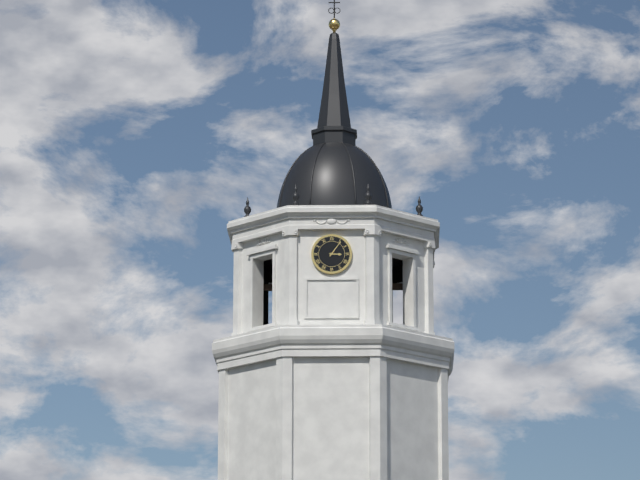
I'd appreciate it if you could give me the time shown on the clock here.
3:06
